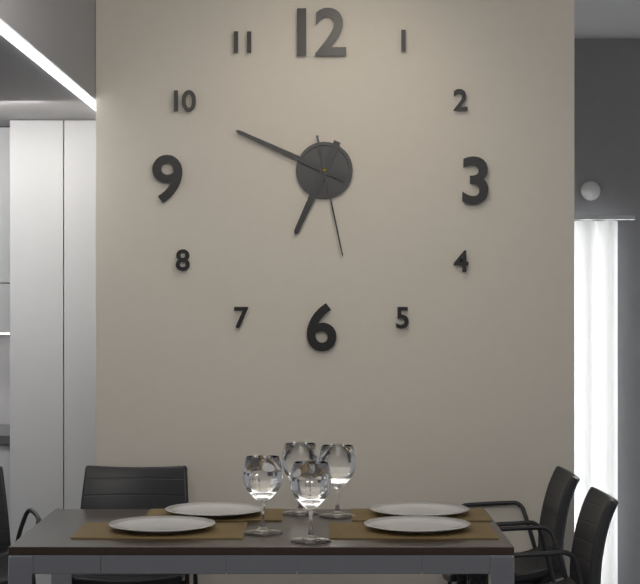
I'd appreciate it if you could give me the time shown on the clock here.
6:49:28
